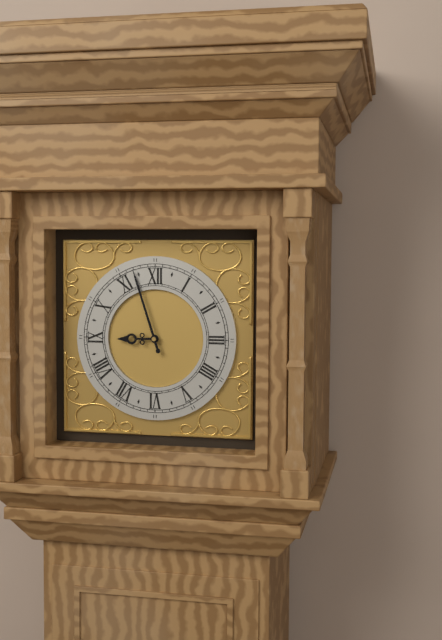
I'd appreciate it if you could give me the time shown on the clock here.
8:57
